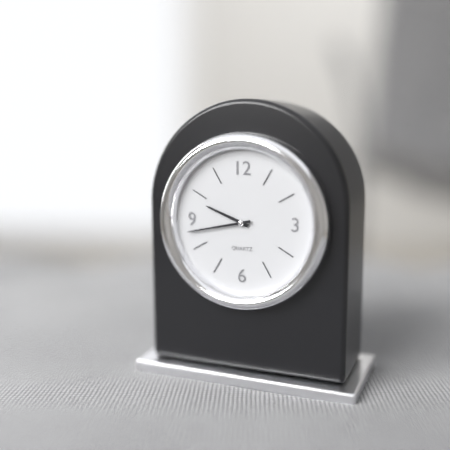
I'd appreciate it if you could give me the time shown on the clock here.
9:43
